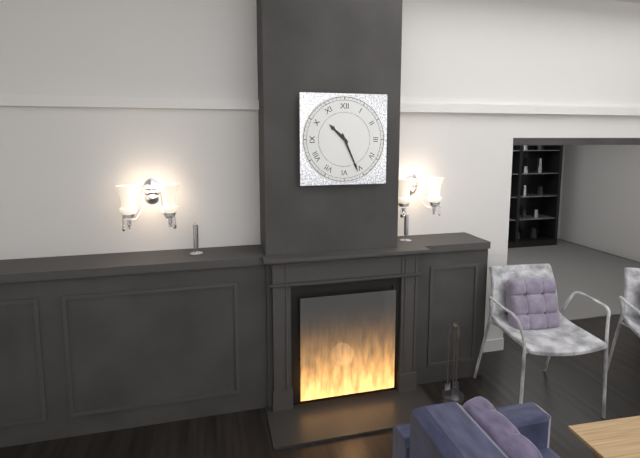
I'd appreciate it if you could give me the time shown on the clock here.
10:26
